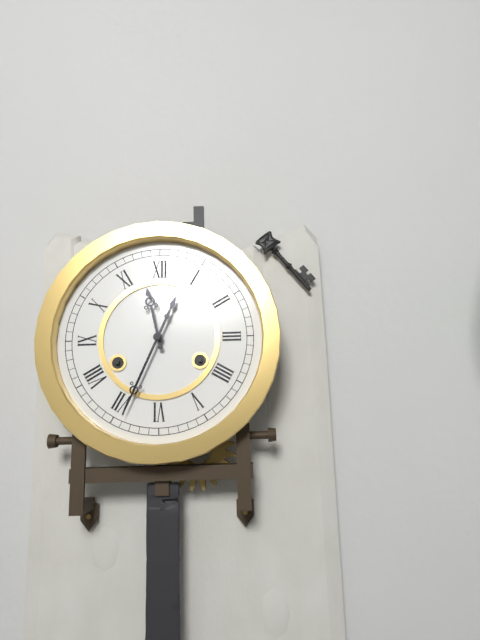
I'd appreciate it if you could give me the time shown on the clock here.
11:34
